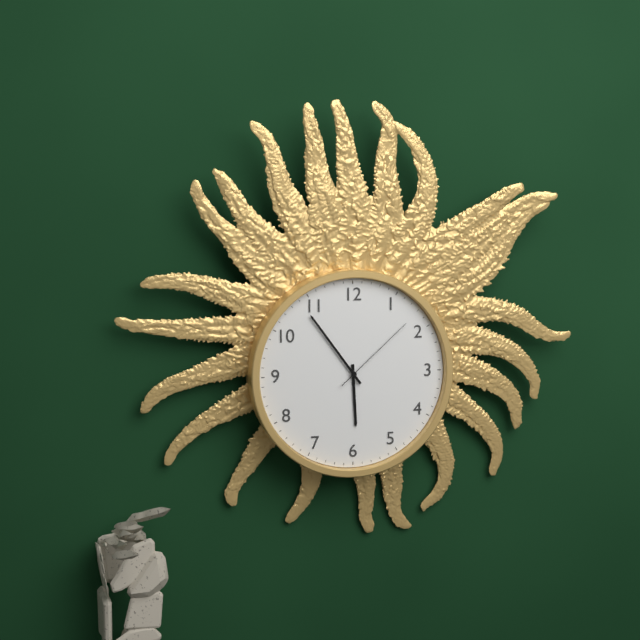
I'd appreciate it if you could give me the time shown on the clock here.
5:54:08
